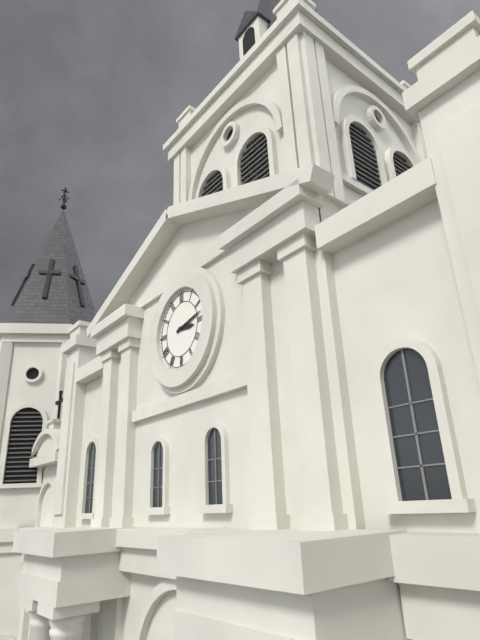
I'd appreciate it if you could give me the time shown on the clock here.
3:13
